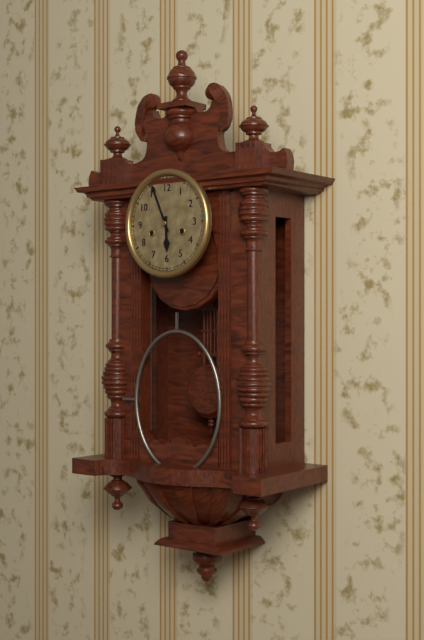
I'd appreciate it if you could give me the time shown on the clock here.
5:56
